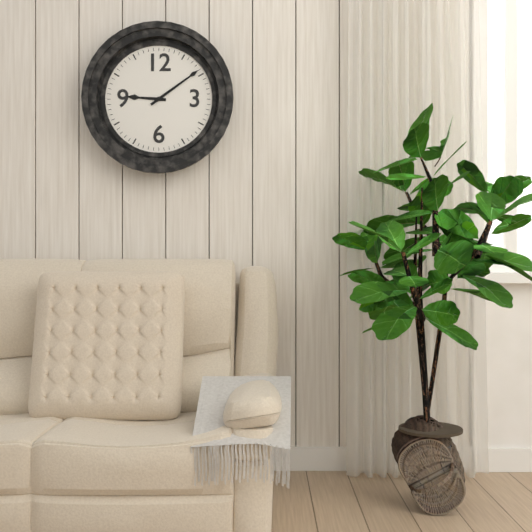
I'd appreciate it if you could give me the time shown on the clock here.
9:09
